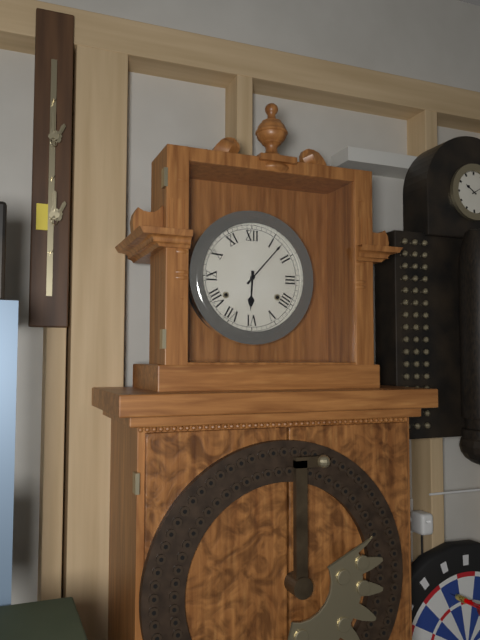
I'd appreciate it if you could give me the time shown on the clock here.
6:07
